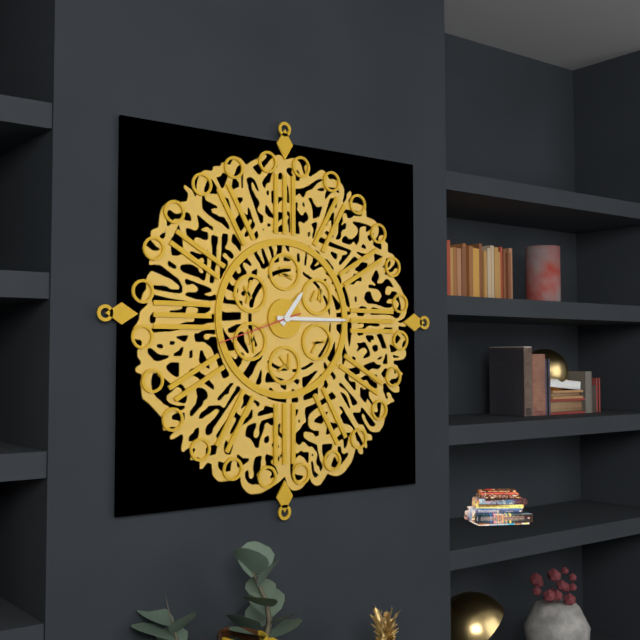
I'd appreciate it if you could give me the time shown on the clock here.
1:15:42
